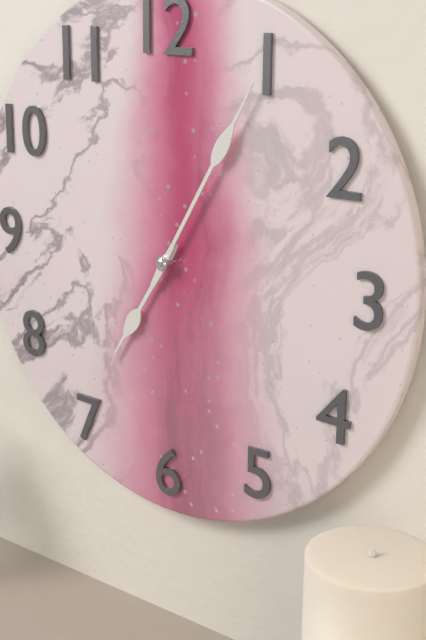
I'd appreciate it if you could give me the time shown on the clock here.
7:05
